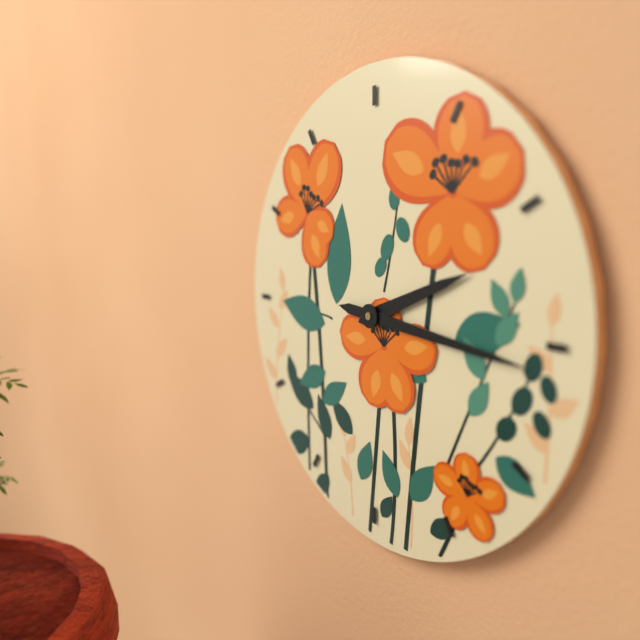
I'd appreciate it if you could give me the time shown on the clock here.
2:16
